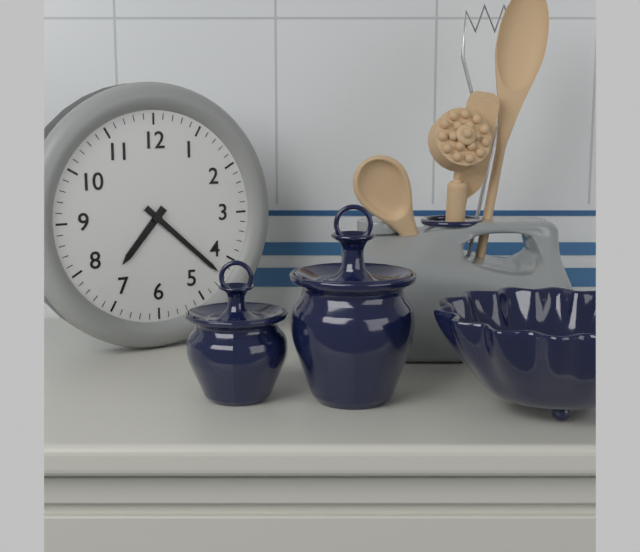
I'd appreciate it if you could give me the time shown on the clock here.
7:22
